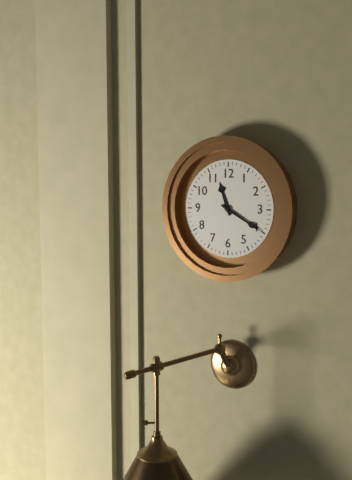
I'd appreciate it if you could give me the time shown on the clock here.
11:20
